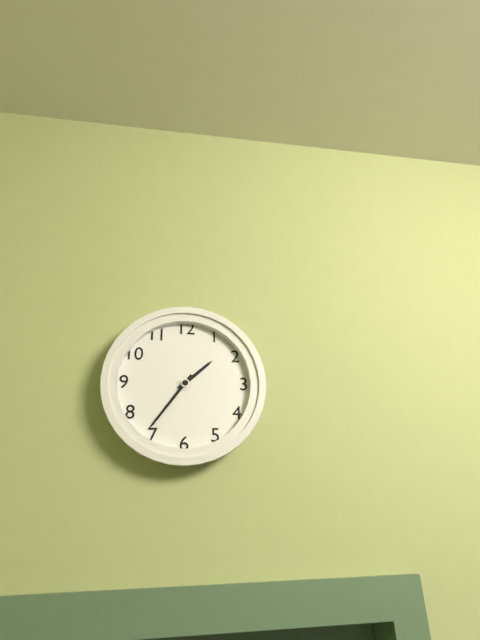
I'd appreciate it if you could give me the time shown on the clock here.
1:36
